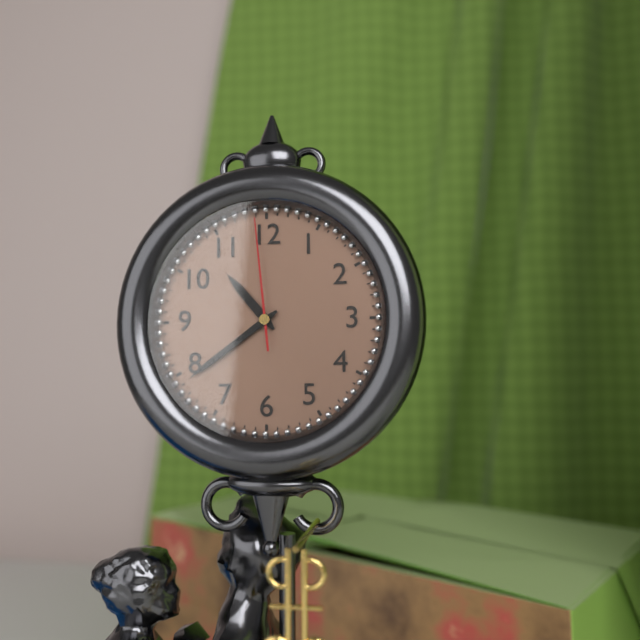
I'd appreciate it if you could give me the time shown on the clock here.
10:39:59
